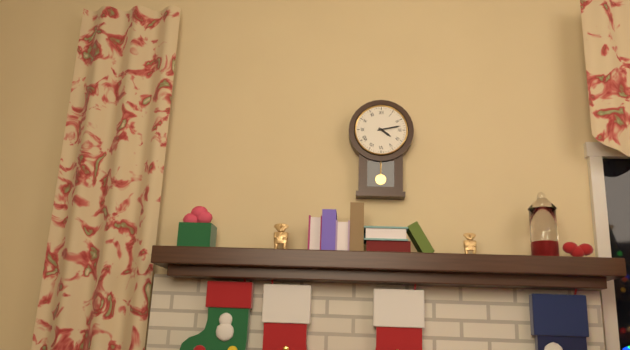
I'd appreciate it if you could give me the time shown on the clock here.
4:13
